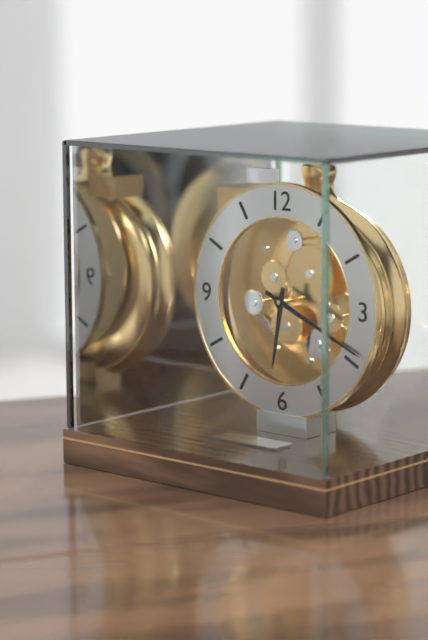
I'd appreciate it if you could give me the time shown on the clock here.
6:19
